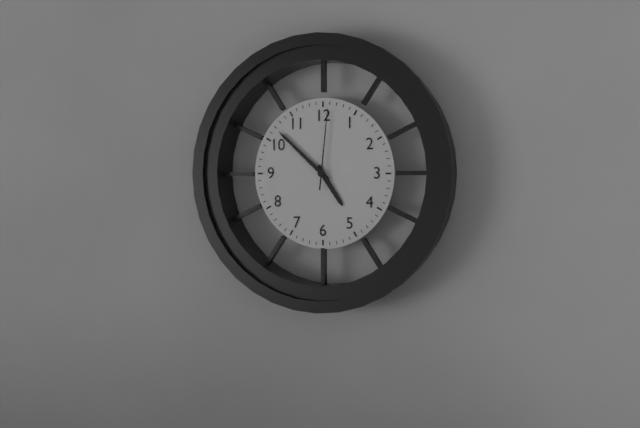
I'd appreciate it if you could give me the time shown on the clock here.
4:52:01
